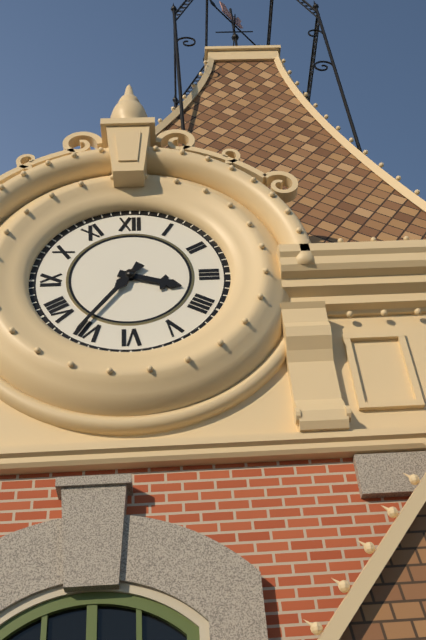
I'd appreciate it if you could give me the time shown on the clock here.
3:36
